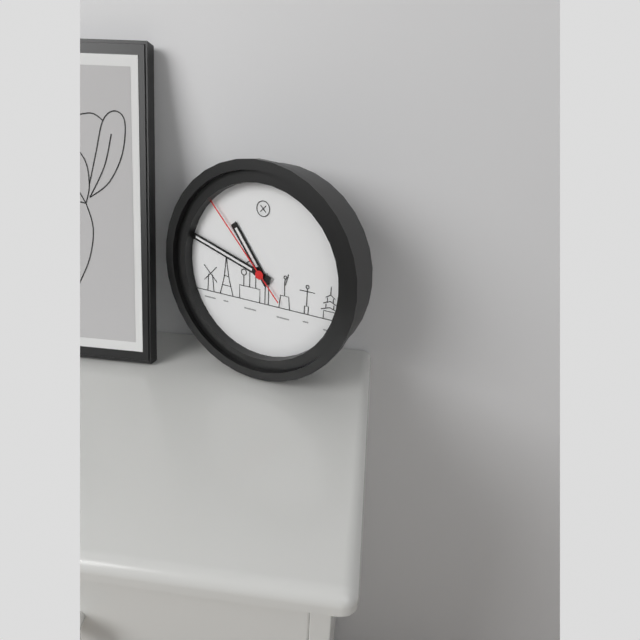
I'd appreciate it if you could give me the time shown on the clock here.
10:48:53
